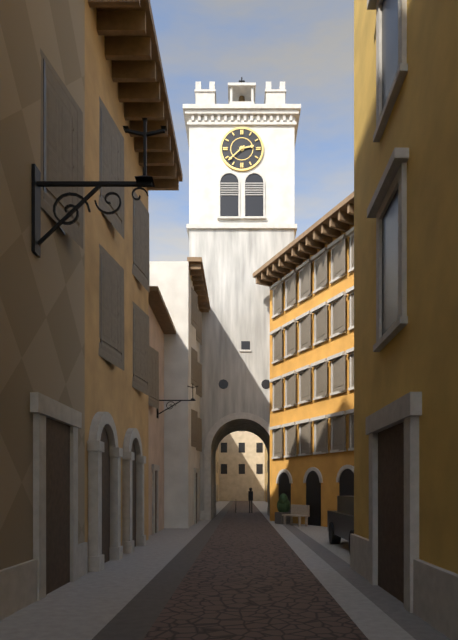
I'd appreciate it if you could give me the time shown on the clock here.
2:38
